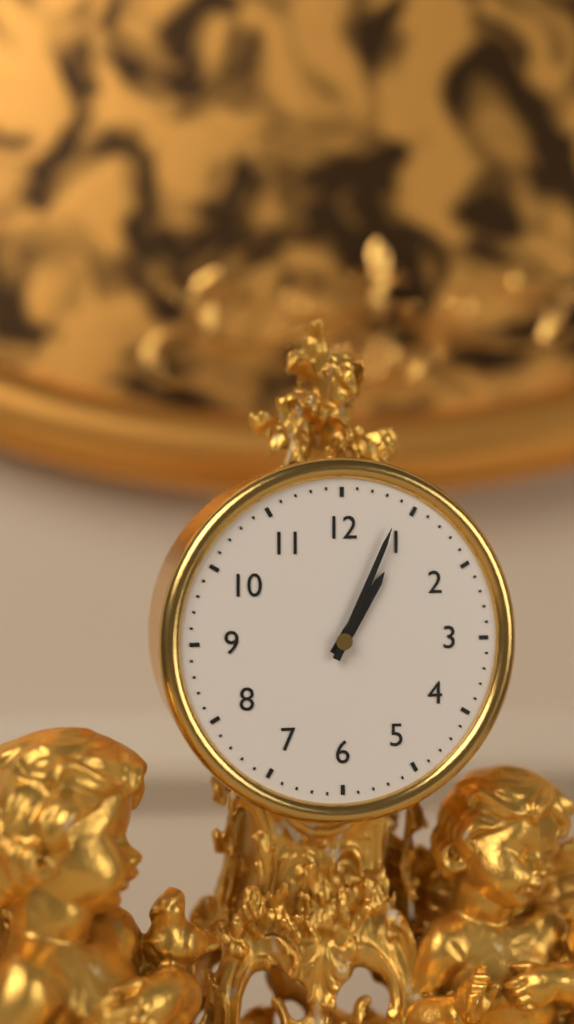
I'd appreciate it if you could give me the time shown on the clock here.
1:04
